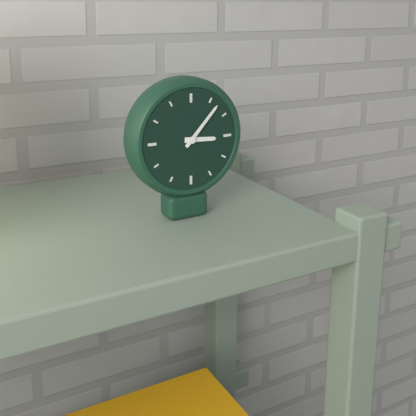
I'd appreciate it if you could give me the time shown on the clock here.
3:07
